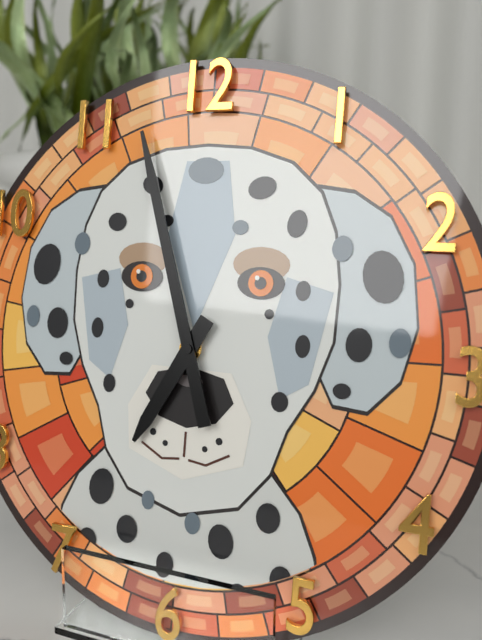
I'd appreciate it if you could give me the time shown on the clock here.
6:57
